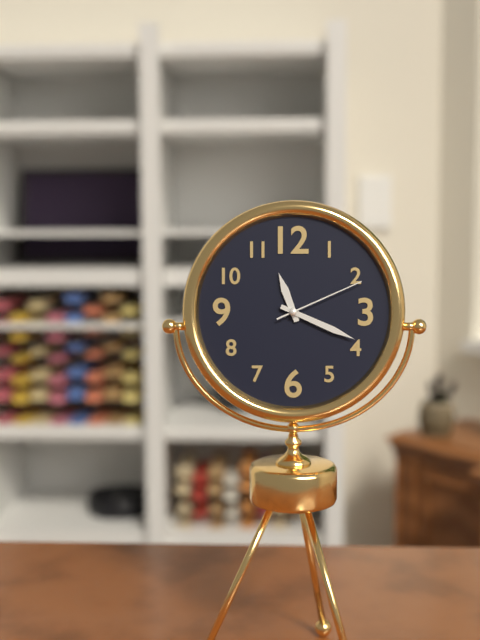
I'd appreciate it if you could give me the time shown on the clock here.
11:19:11
